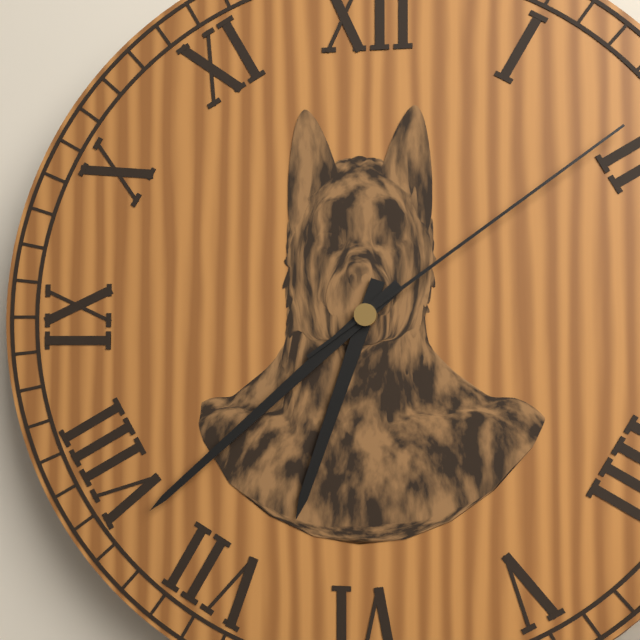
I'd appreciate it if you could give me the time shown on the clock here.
6:38:09
